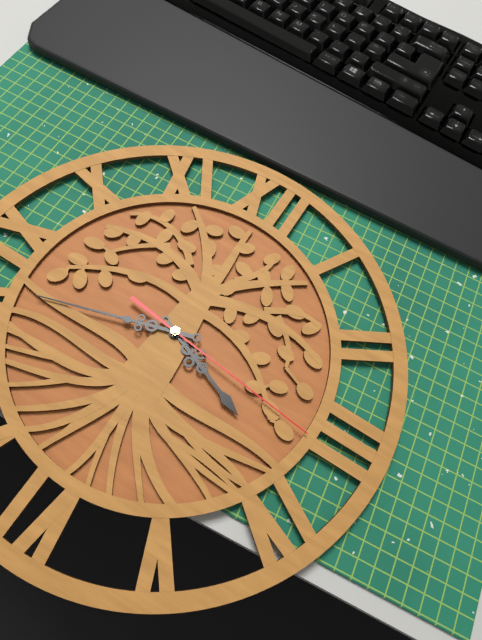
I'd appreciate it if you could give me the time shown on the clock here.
3:42:16
